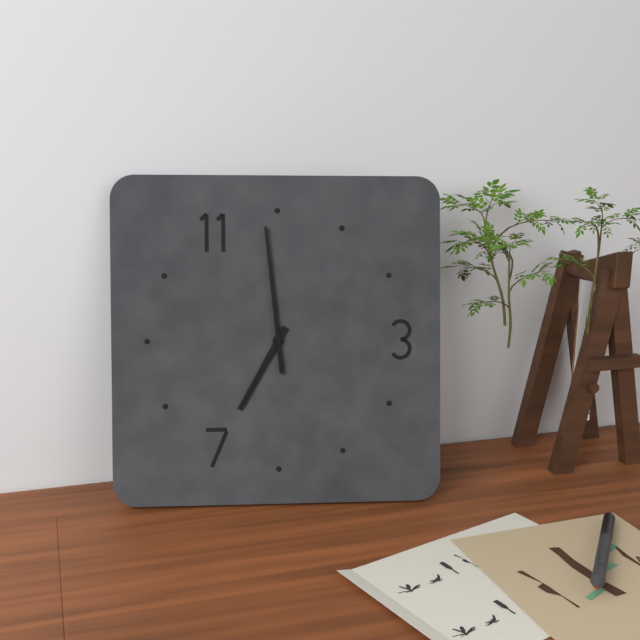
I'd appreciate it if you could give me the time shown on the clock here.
6:59
